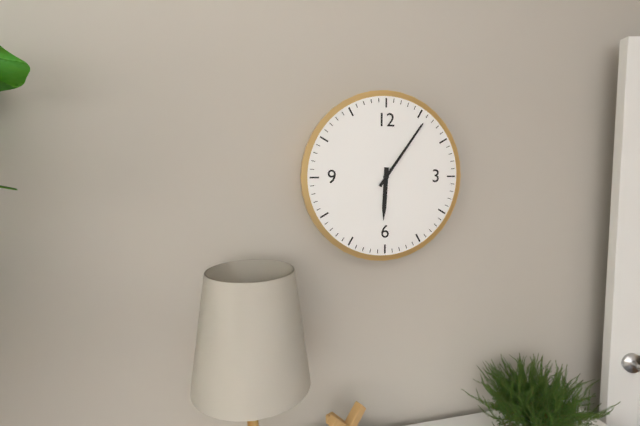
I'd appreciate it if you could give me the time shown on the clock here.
6:06
